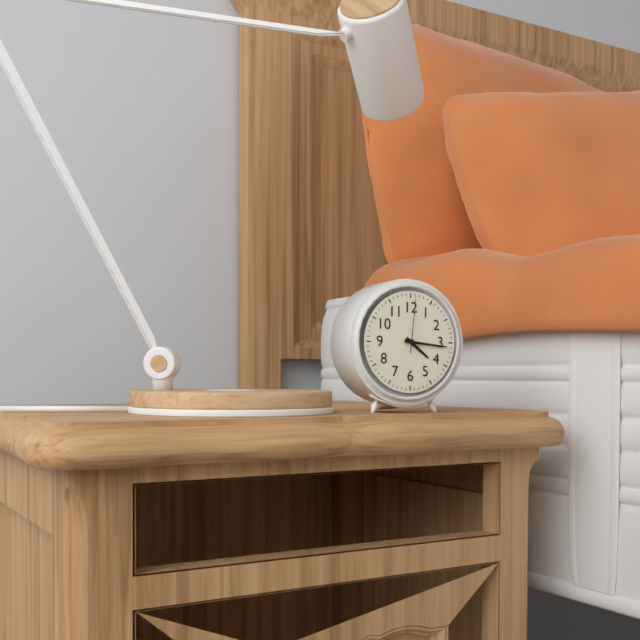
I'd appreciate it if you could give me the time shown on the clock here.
4:16:01
